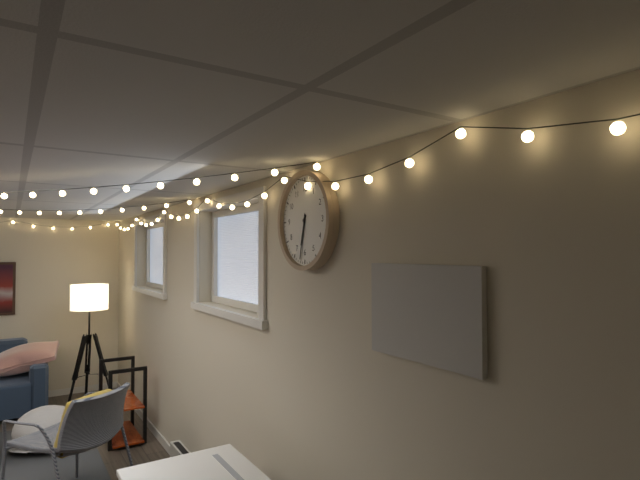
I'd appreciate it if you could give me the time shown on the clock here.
6:32
